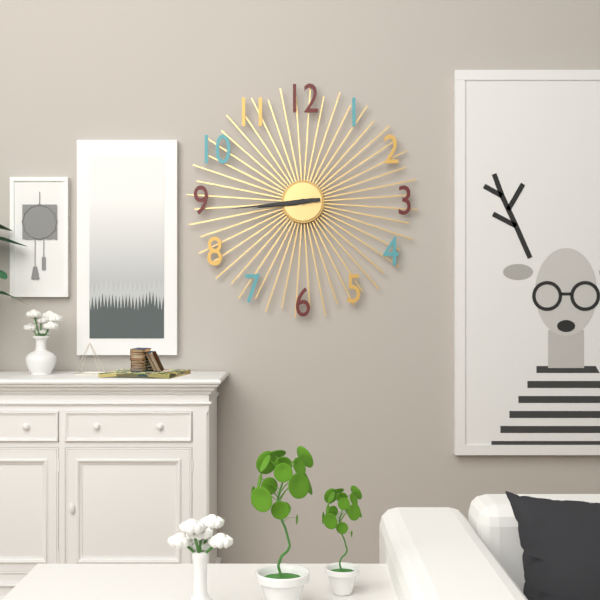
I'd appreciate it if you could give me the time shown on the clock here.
8:44
